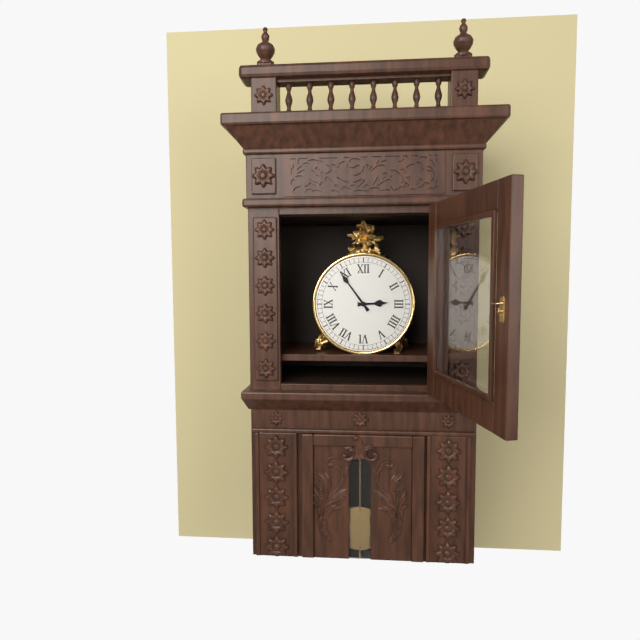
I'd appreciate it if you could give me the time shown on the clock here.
2:54
